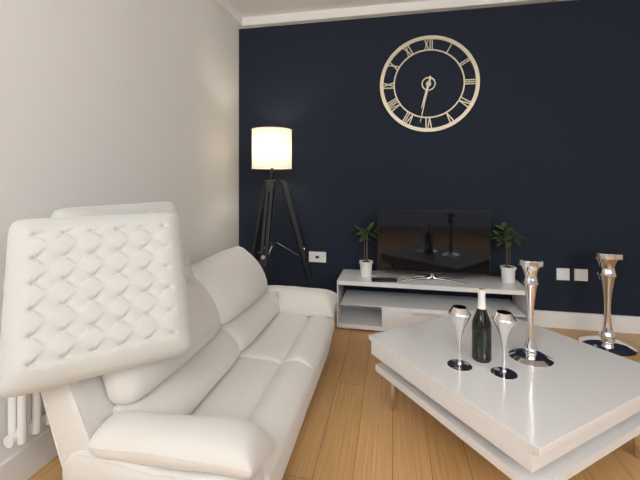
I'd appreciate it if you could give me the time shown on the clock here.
6:32
